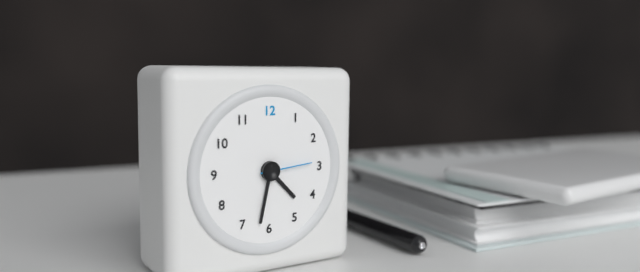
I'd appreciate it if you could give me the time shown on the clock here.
4:32:14
